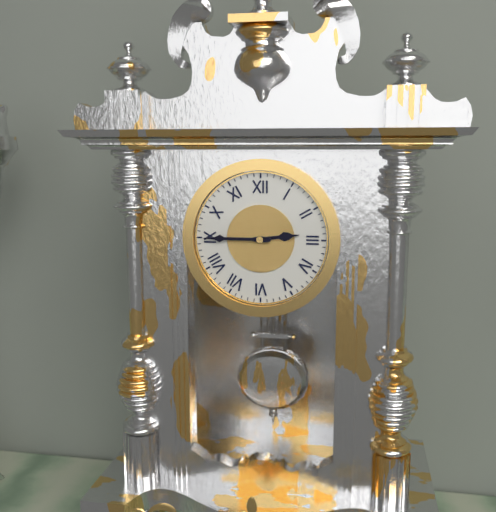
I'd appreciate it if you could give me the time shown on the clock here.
2:45
